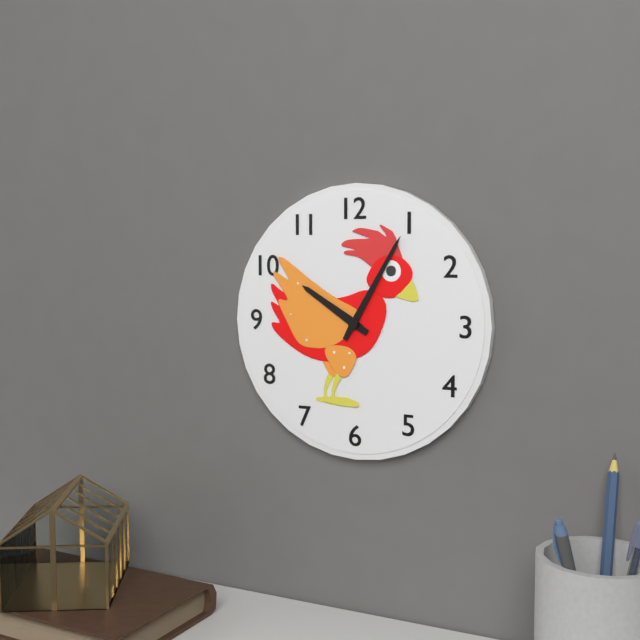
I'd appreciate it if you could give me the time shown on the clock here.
10:05
